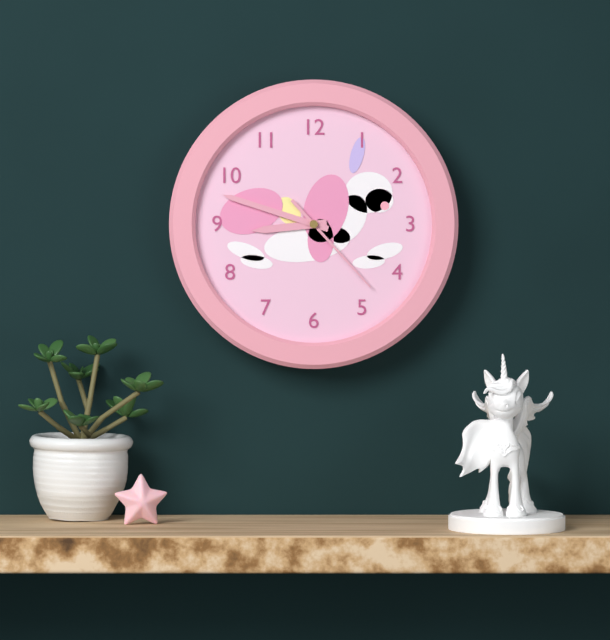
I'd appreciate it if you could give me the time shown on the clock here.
8:48:23
